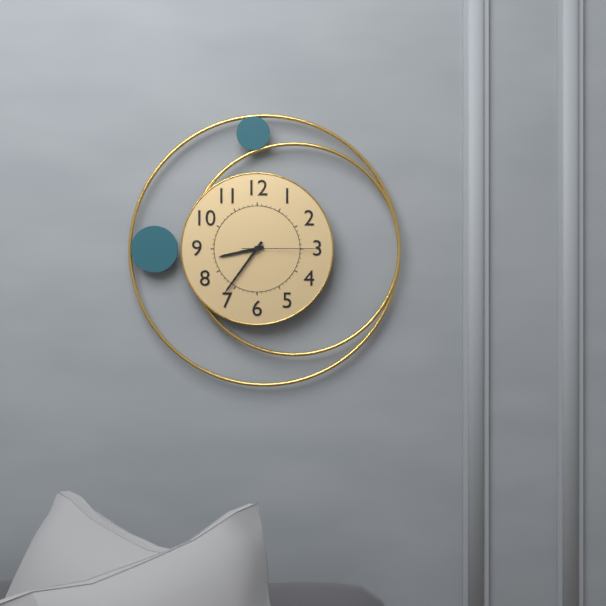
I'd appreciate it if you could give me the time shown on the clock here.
8:36:15
